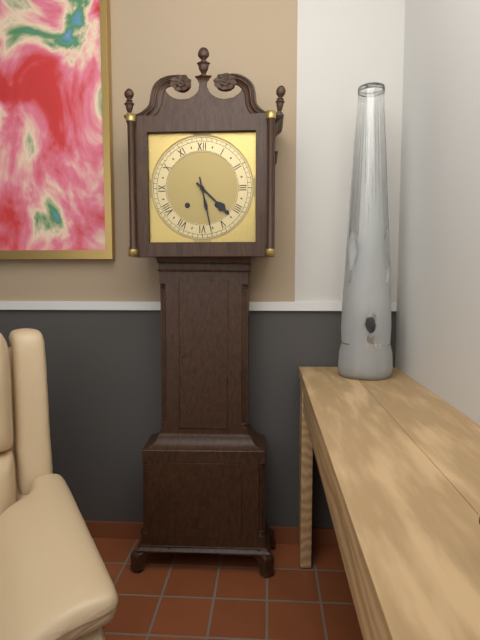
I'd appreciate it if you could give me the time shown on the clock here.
4:28
